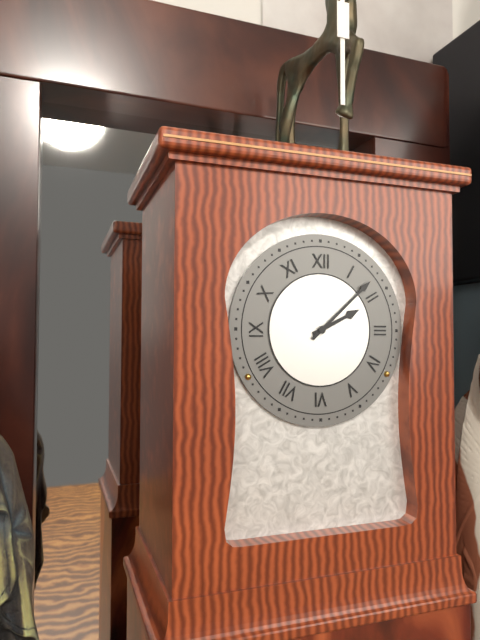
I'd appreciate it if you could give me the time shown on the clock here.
2:08
